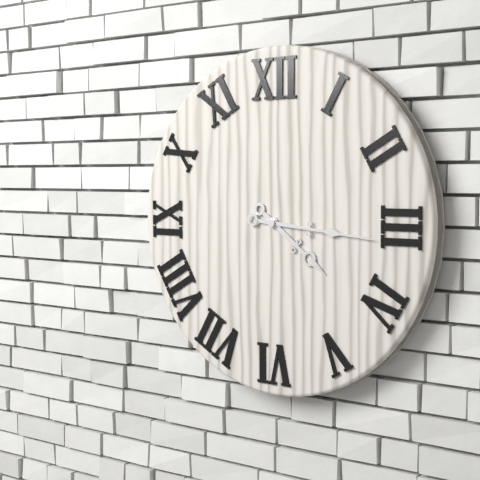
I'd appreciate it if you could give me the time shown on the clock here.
4:16
